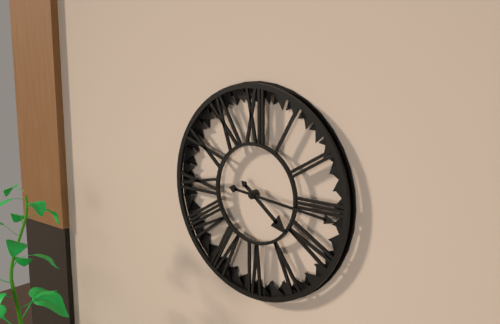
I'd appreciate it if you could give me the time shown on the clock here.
4:16
